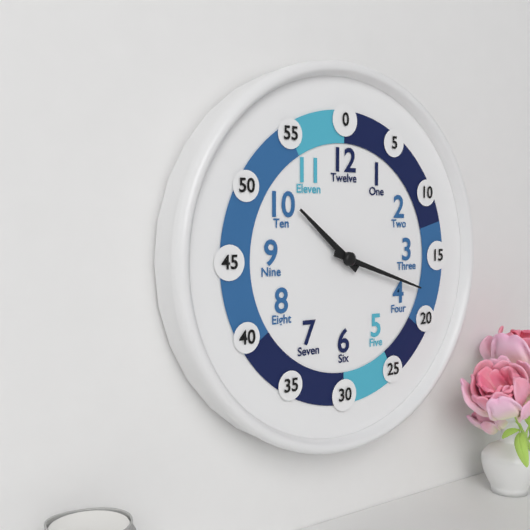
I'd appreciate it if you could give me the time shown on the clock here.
10:18
